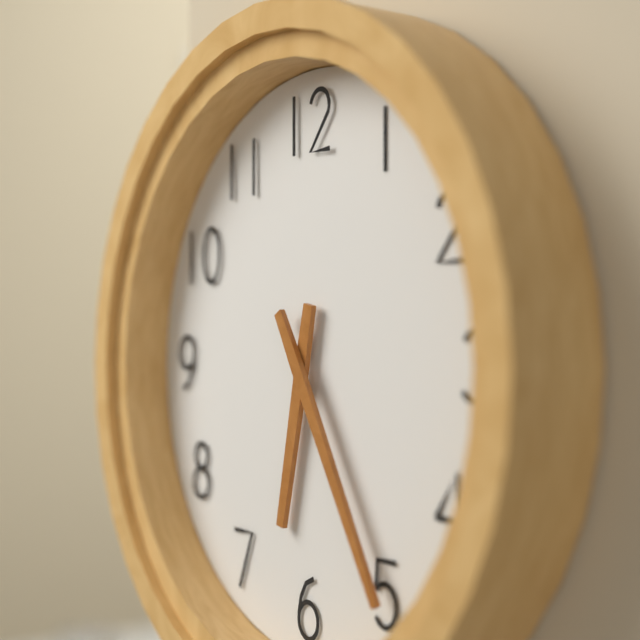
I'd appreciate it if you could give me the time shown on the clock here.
6:25
